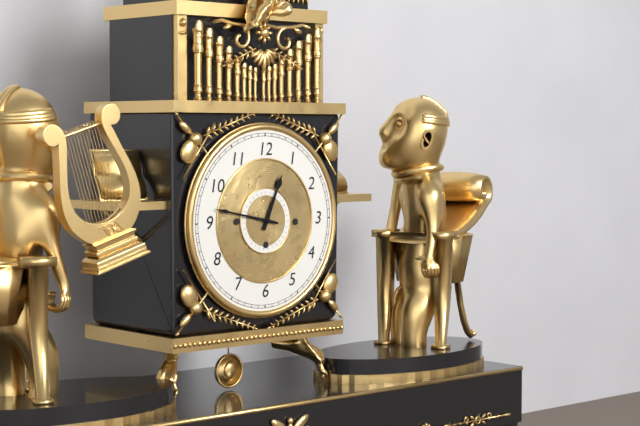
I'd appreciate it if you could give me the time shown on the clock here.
12:47
